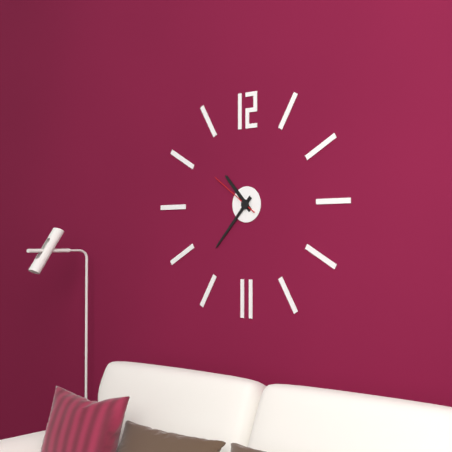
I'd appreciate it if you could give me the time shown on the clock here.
10:37:51
